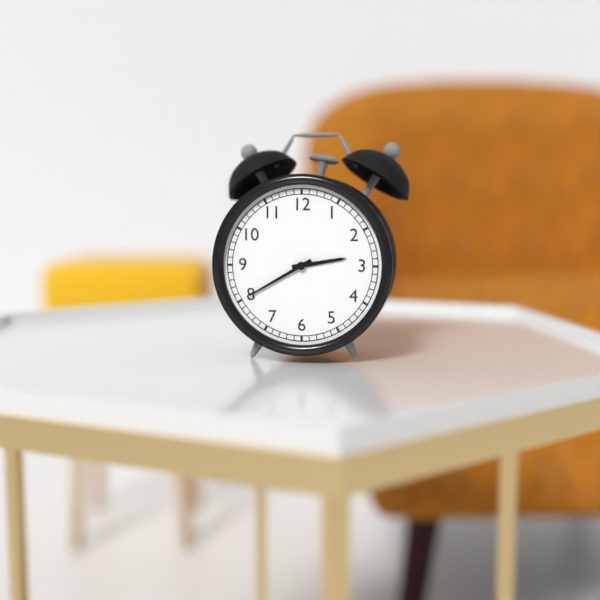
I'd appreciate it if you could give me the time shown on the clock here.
2:40
